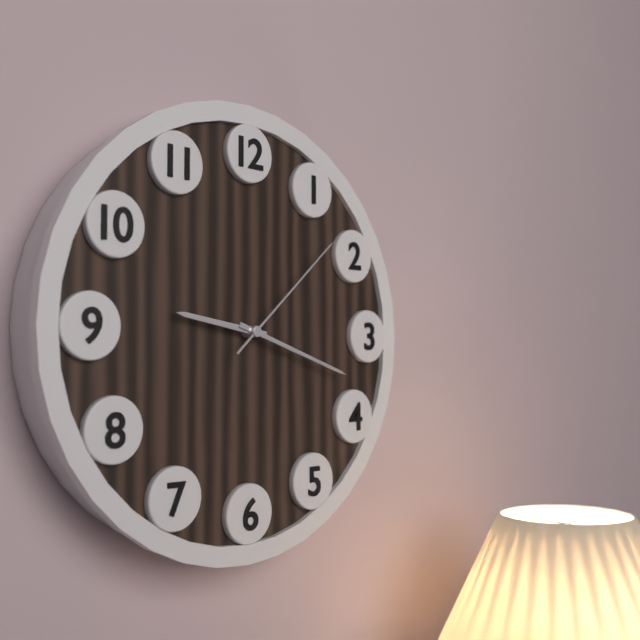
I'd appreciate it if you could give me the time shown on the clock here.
9:18:08
